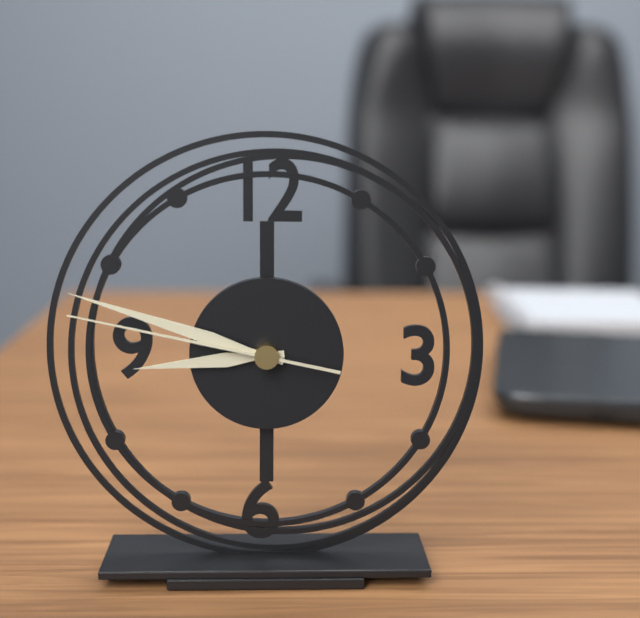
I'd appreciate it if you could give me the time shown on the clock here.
8:48:47
